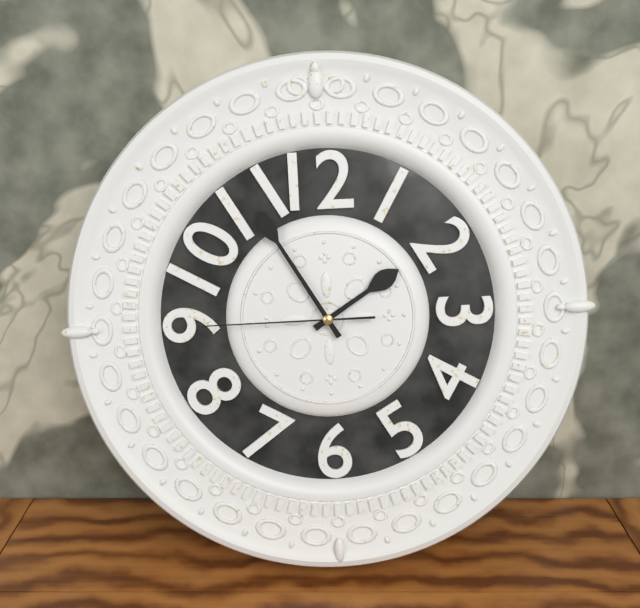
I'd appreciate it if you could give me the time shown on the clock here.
1:55:45
